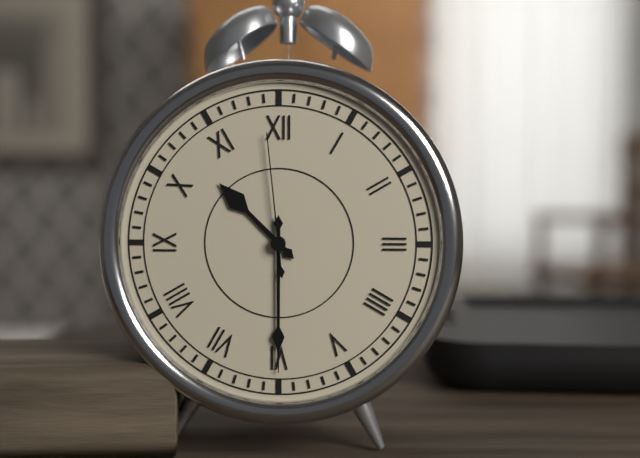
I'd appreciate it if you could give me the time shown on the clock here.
10:30:59
